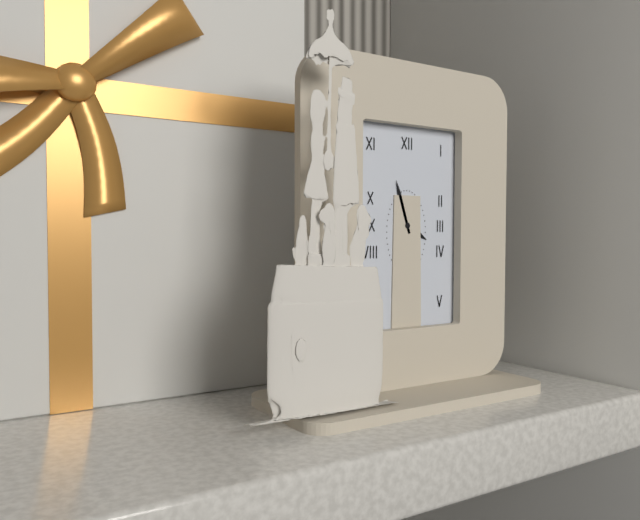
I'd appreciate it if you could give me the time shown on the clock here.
3:57
